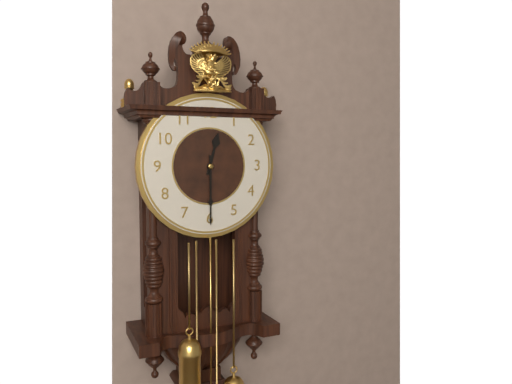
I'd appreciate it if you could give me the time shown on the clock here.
12:30
